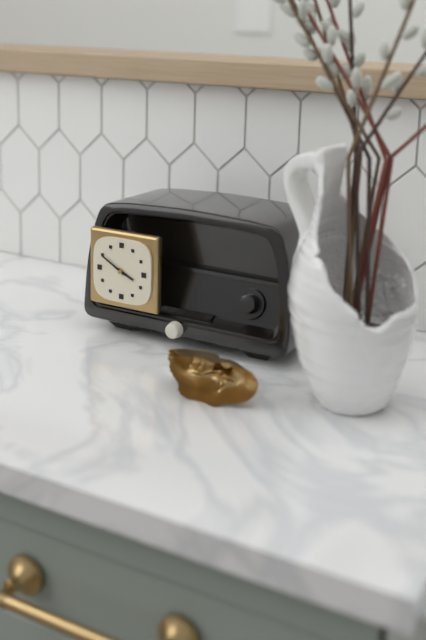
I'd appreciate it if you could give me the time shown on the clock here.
3:50
